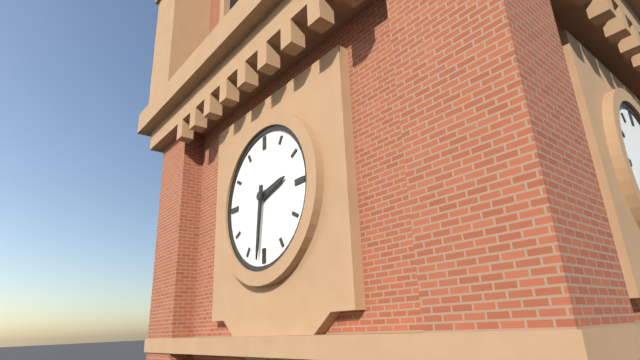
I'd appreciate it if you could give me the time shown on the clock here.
2:31
